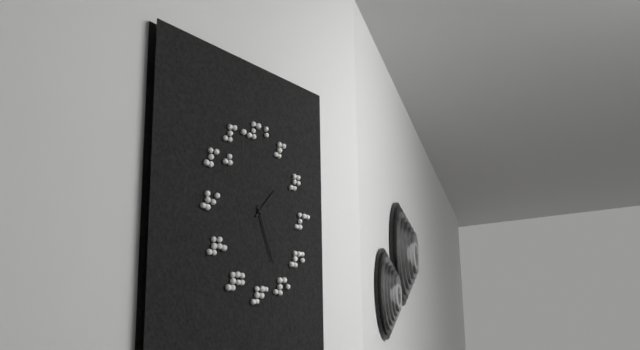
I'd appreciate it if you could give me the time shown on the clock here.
1:26
